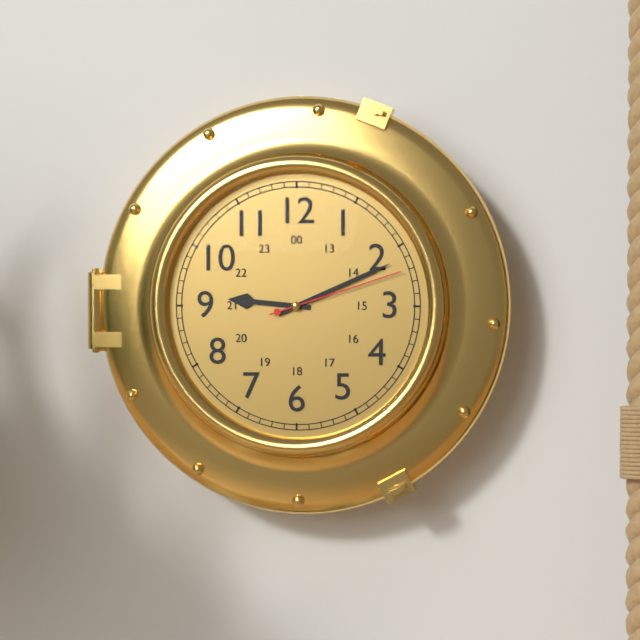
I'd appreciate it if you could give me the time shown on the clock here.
9:11:12
